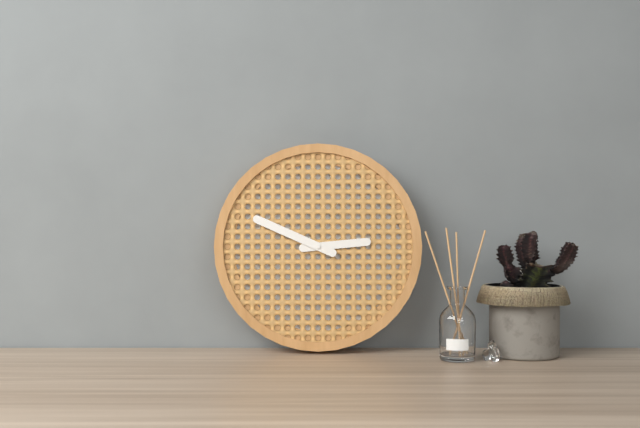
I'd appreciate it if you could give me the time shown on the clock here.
2:49
